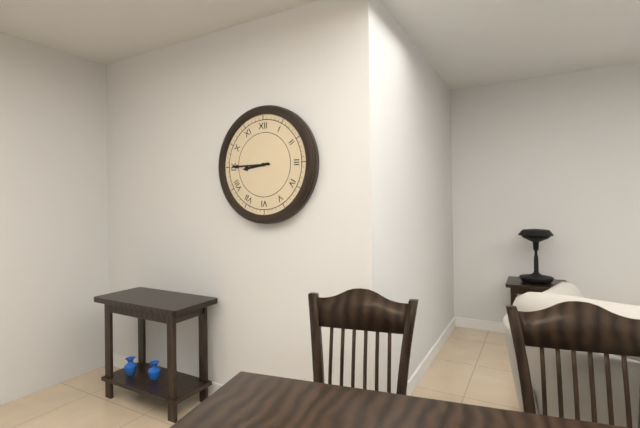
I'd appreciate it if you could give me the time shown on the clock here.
8:45
